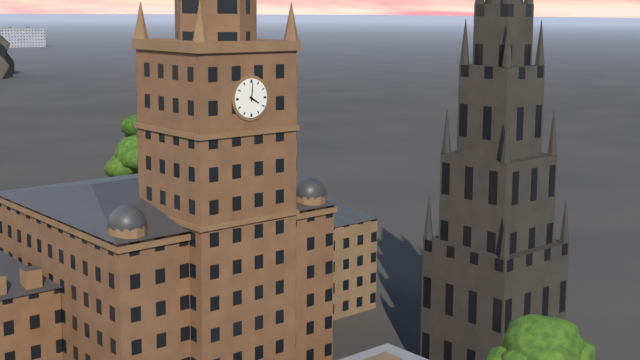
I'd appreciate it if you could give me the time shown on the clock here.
4:01
